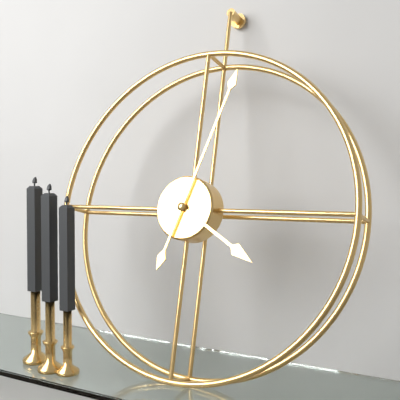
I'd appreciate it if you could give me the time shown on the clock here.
4:03
